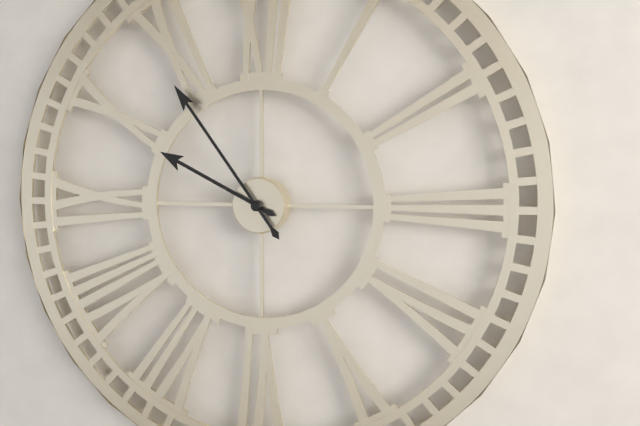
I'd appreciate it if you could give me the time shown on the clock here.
9:54
